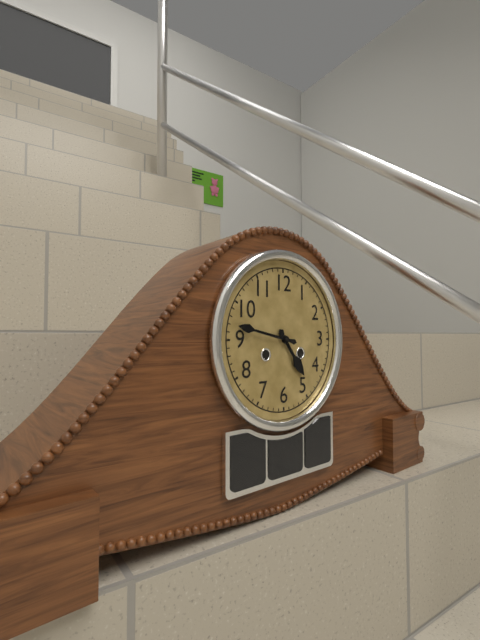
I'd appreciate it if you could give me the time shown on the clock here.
4:47
